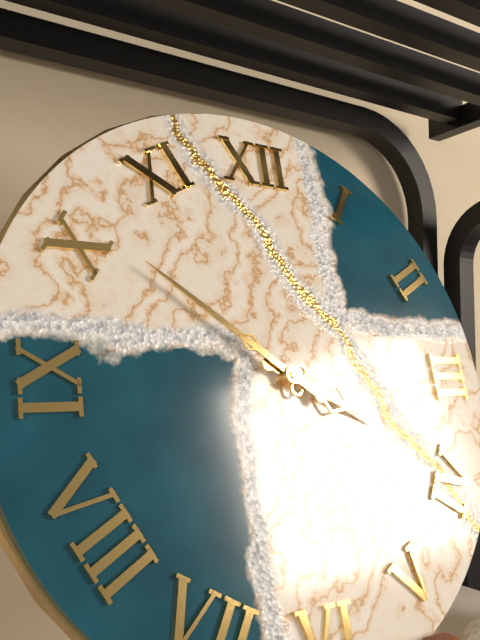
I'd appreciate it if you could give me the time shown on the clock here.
3:51
